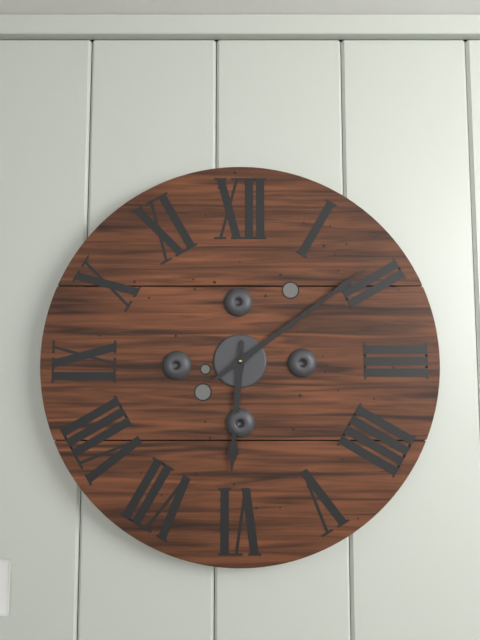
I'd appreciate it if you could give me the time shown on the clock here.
6:09
